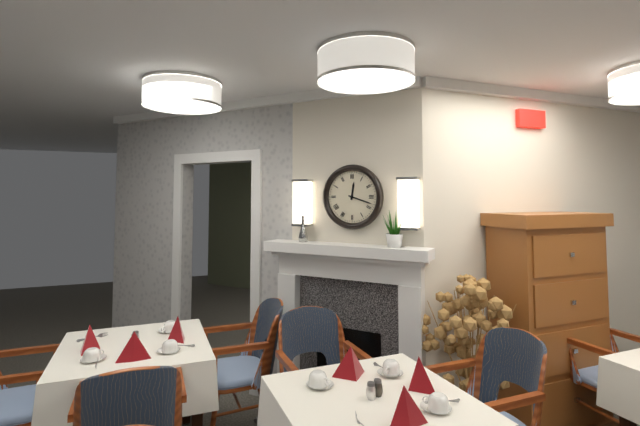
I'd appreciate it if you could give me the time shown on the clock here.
12:18
